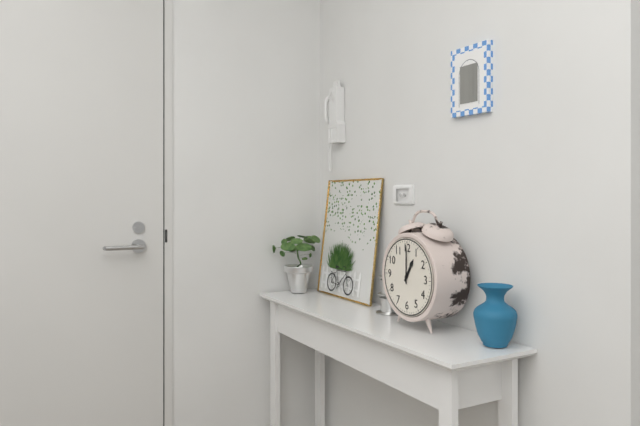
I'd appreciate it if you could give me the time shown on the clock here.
1:00
